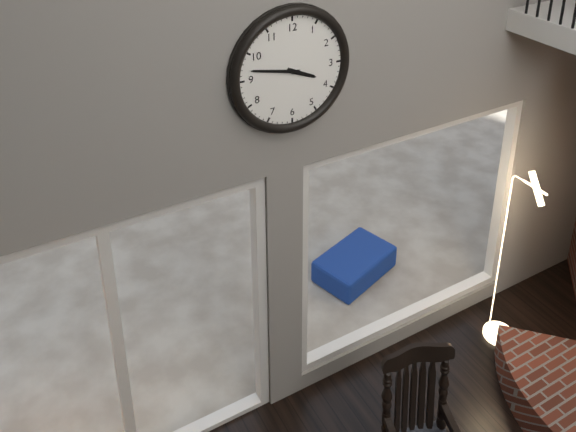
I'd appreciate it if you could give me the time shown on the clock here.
3:47
